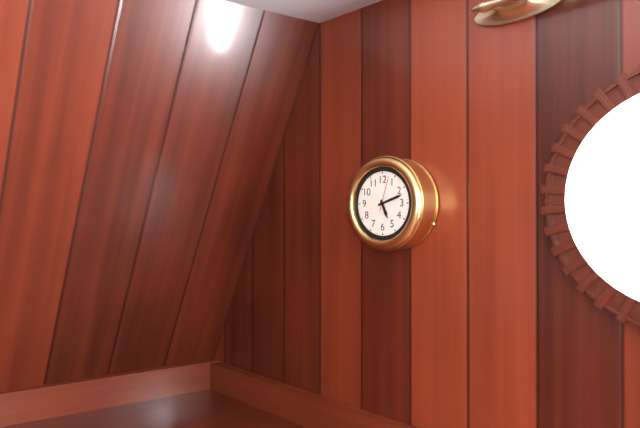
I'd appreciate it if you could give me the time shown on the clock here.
5:12
